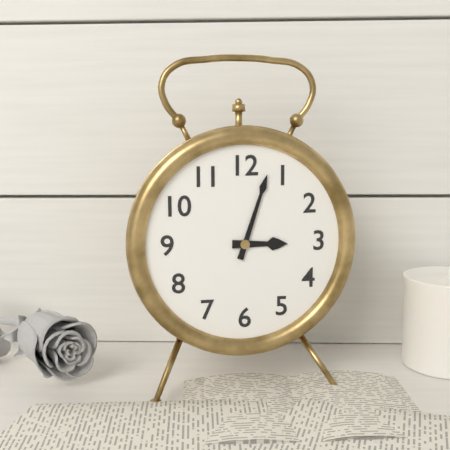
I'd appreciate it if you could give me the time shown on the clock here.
3:03
